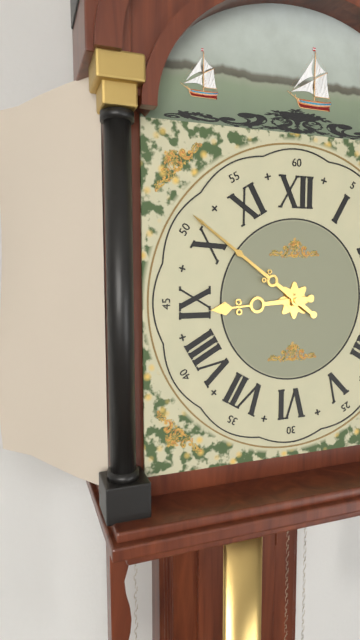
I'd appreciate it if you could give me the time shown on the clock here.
8:51
